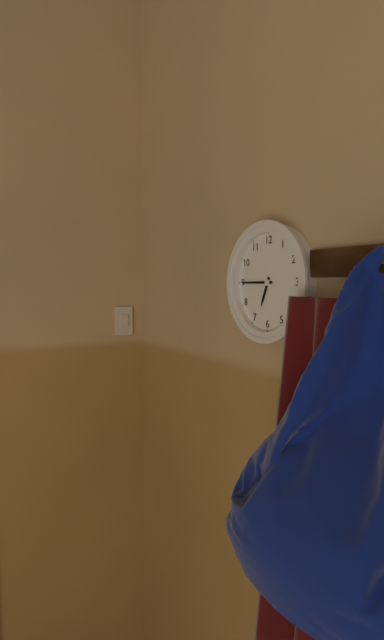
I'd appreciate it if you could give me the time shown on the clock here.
6:45
